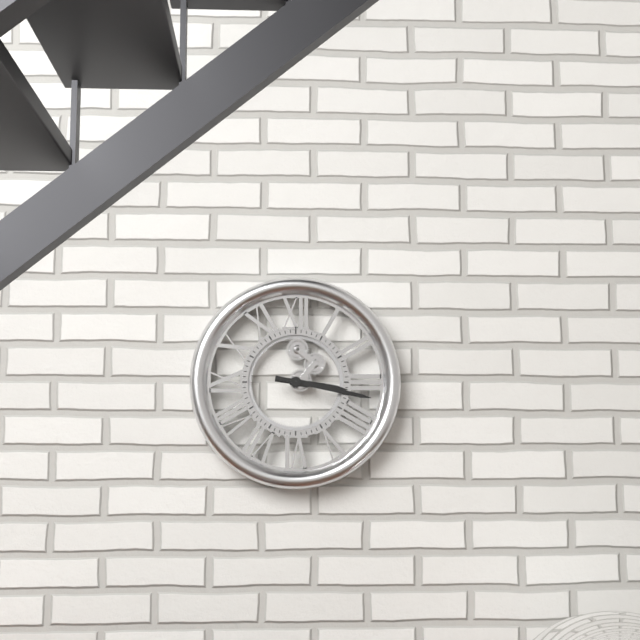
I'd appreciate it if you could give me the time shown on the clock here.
3:17
